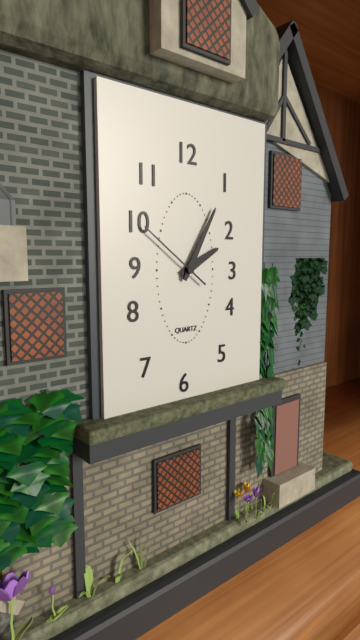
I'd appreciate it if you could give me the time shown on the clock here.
2:05:51
